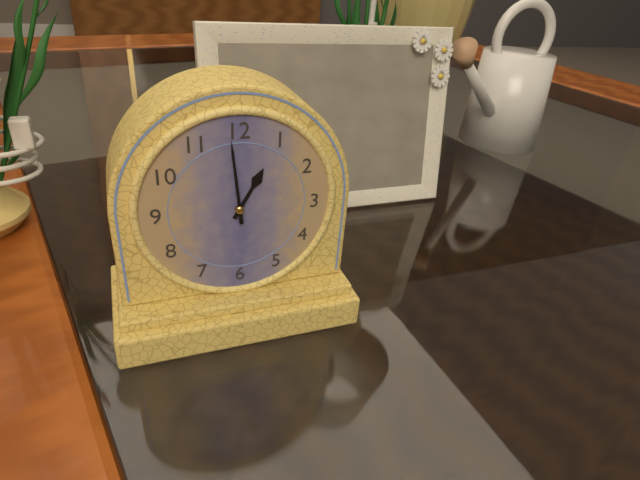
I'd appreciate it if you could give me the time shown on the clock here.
12:59
